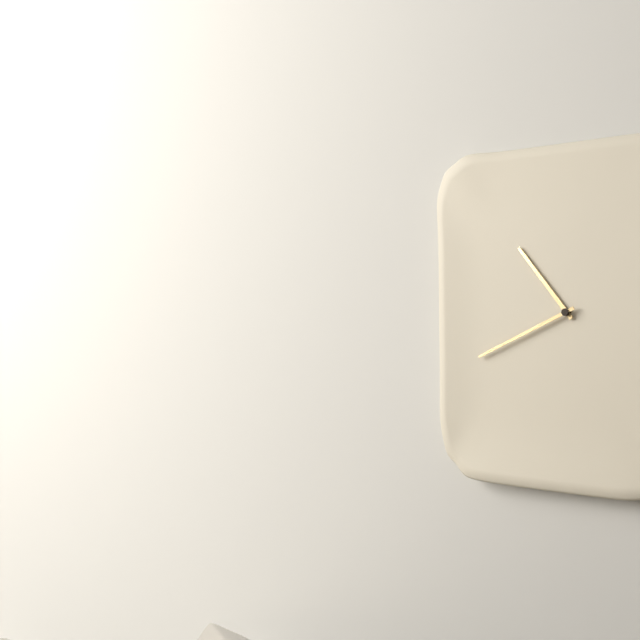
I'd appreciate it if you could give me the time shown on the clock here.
10:41
